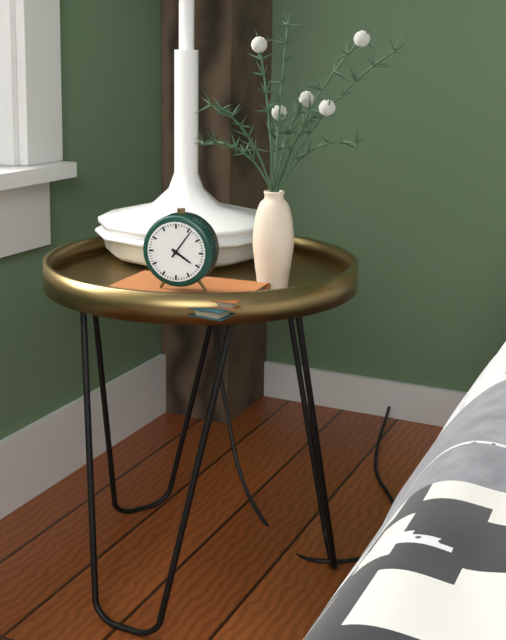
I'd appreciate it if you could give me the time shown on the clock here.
4:06
